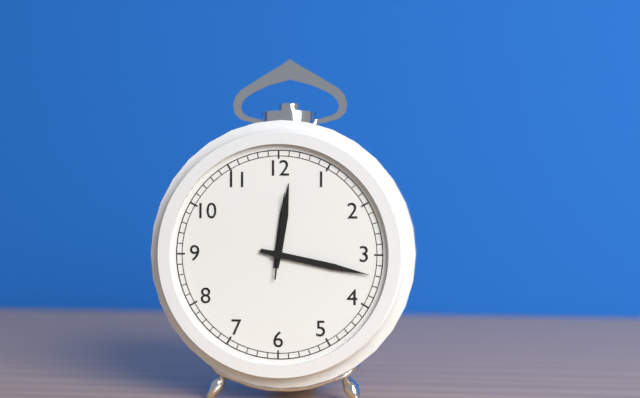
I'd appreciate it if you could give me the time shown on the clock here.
12:17:01
